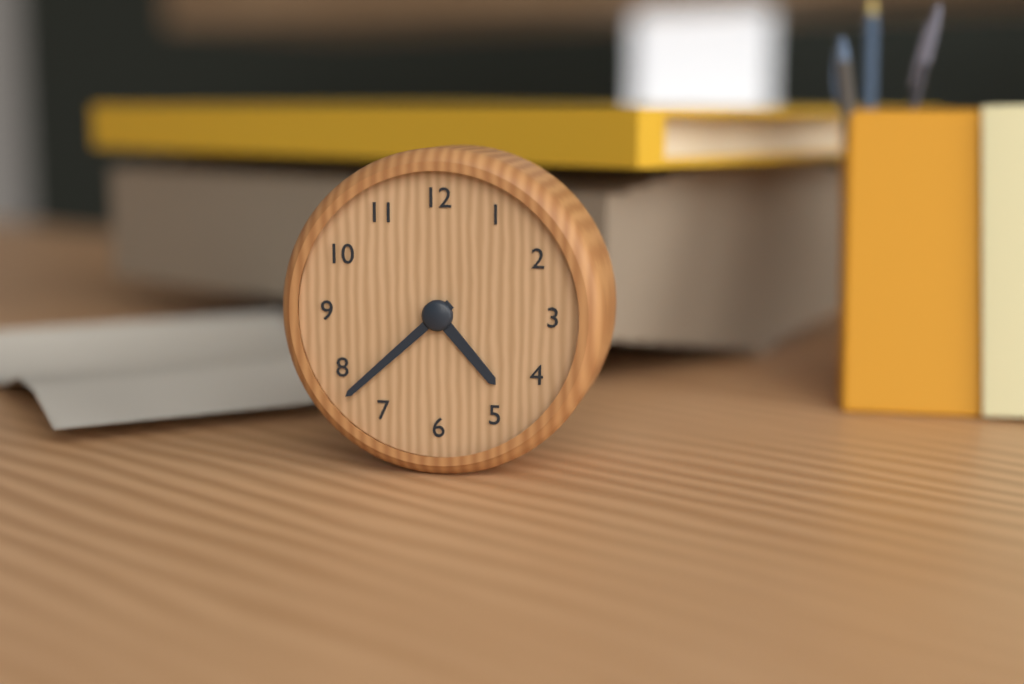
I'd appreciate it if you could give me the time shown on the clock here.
4:38
